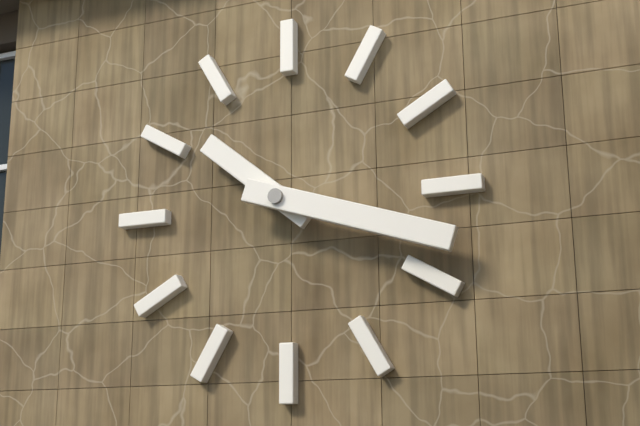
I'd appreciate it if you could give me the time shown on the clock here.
10:18
